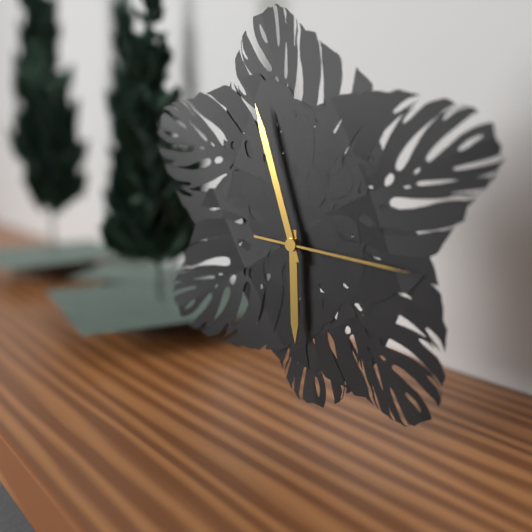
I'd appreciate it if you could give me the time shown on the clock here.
5:57:16
